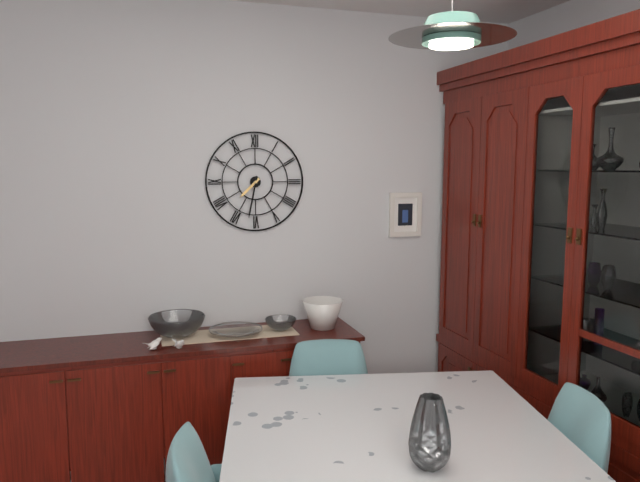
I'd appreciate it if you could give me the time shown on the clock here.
7:32
